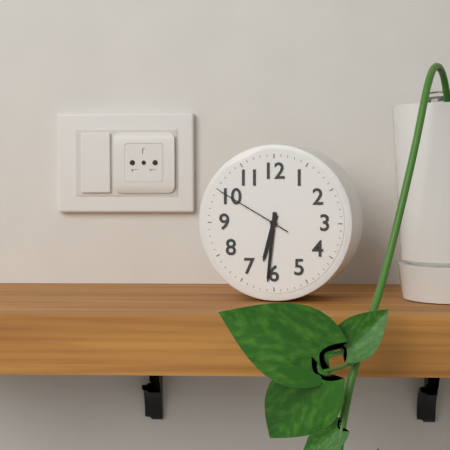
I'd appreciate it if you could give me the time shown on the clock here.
6:31:50
